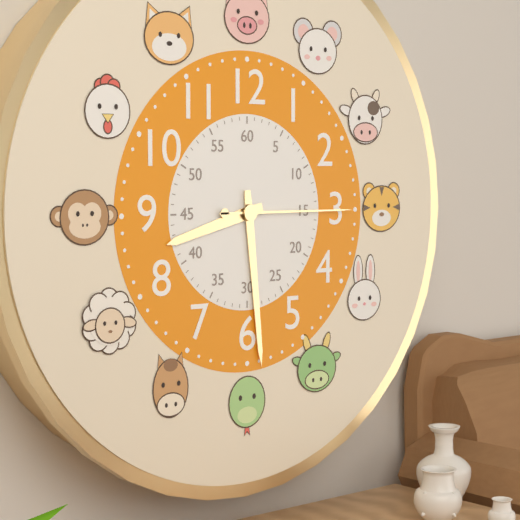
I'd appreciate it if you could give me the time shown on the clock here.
8:29:15
